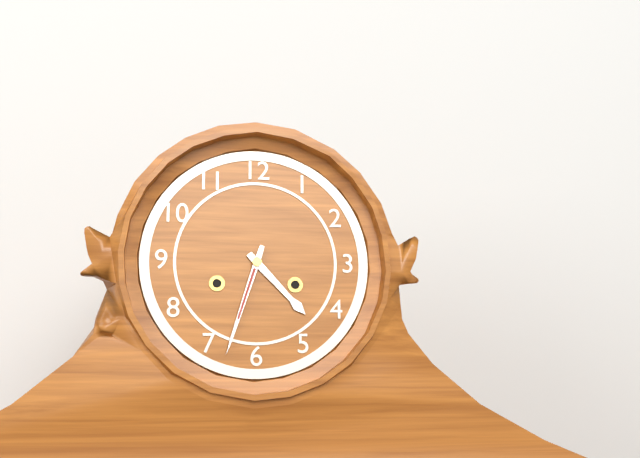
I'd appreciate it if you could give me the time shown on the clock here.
4:33
